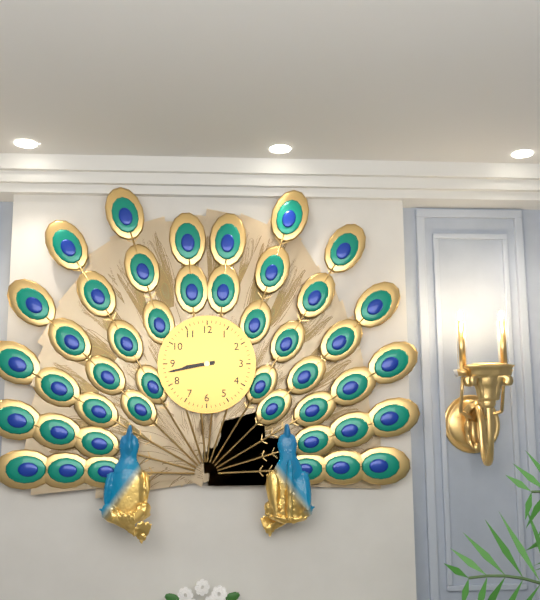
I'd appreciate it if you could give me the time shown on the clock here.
8:43
